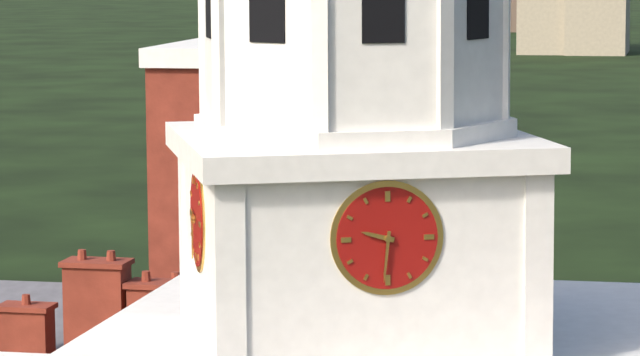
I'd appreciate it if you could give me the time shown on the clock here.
9:31
